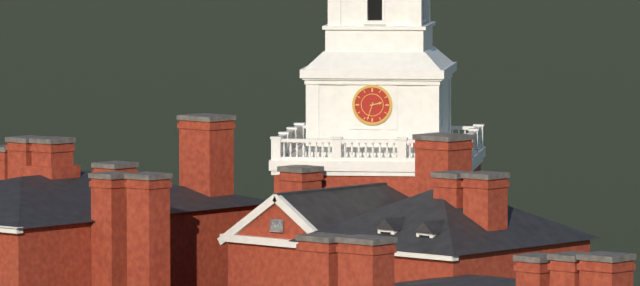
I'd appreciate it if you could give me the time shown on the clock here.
2:33
